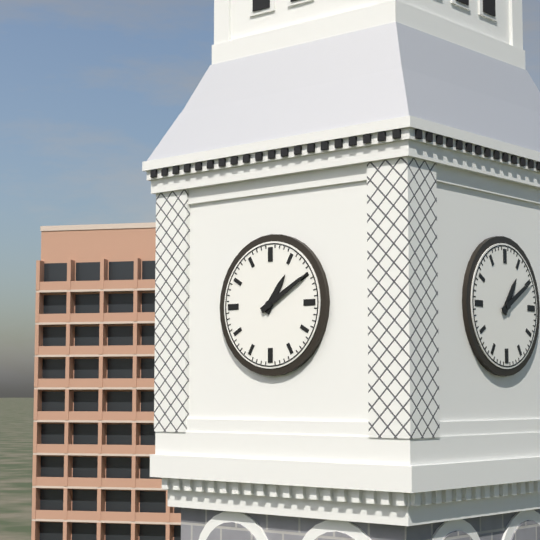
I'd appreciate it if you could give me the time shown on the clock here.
1:10
